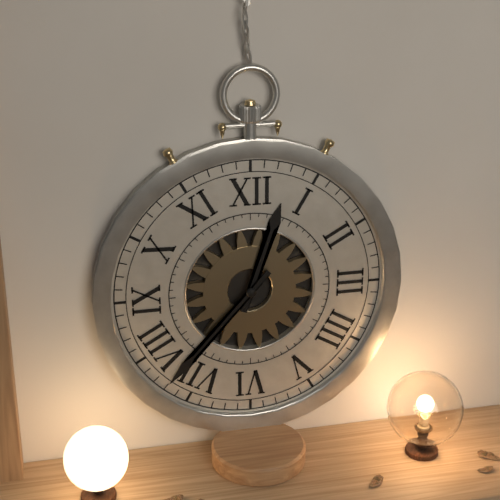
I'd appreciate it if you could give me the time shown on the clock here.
12:37
